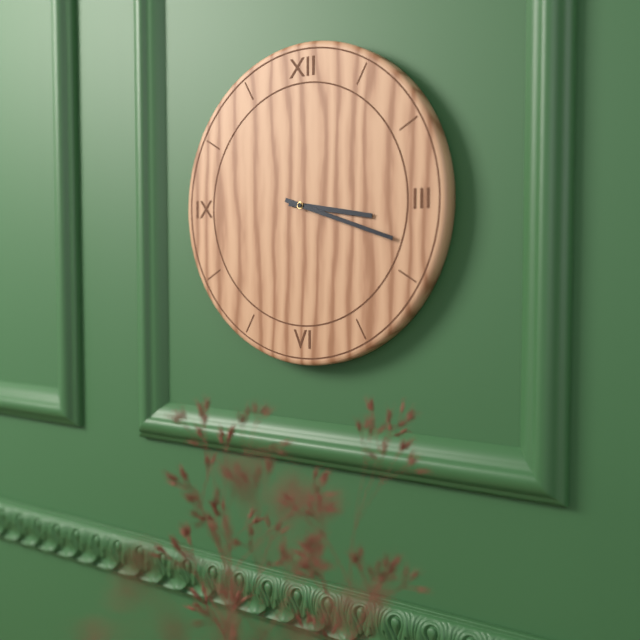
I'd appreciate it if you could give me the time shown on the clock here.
3:18
